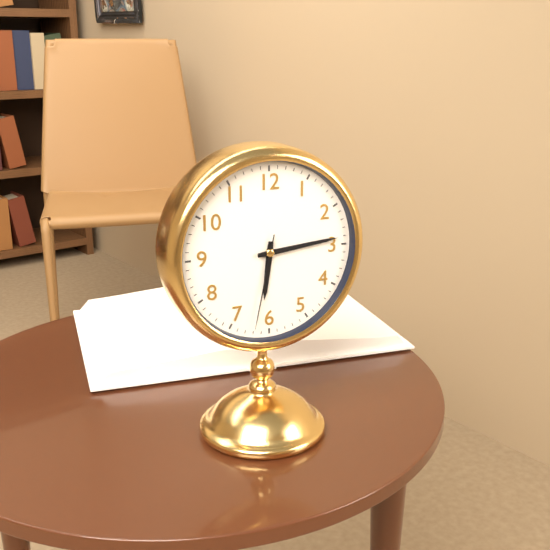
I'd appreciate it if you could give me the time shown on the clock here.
6:14:32
